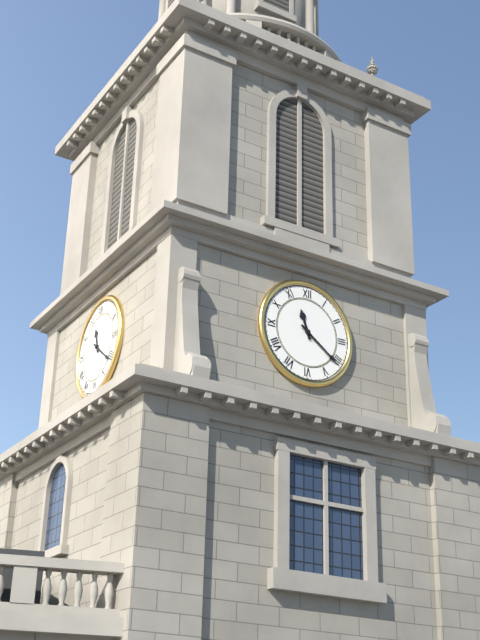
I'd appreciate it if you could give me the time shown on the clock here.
11:21
